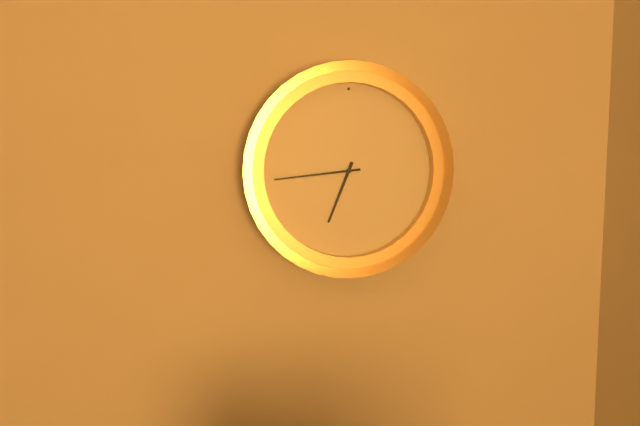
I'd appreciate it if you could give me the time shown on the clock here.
6:44
